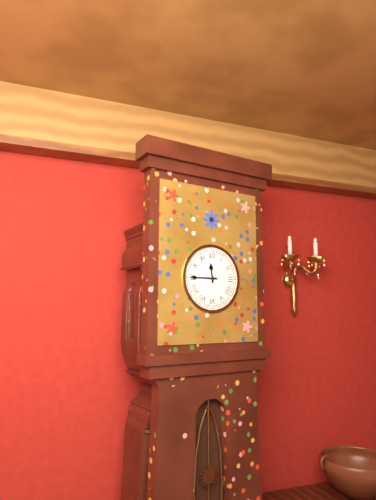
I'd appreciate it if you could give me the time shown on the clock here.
11:45
